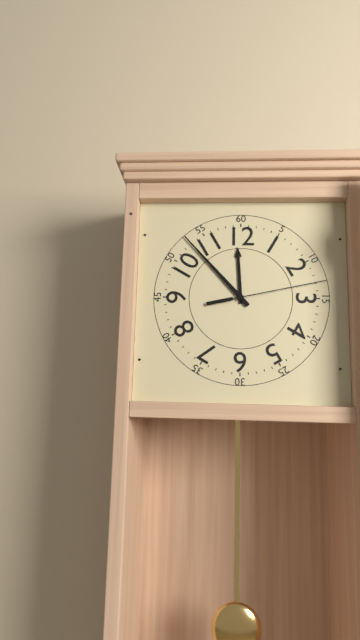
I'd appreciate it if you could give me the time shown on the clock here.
11:53:13
